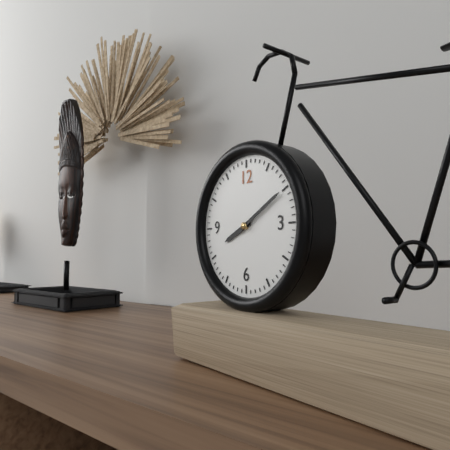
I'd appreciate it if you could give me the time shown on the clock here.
8:10
